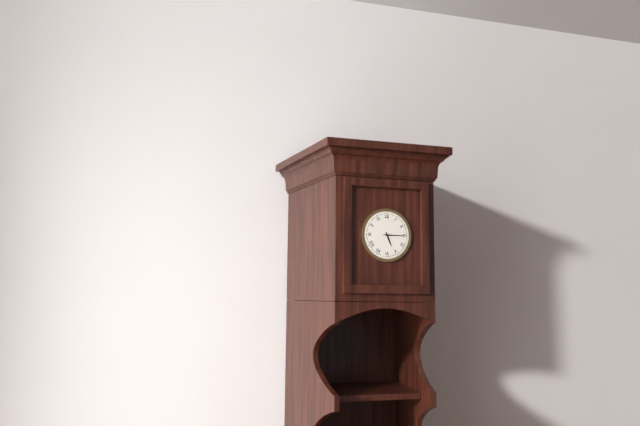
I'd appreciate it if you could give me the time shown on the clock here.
5:15
